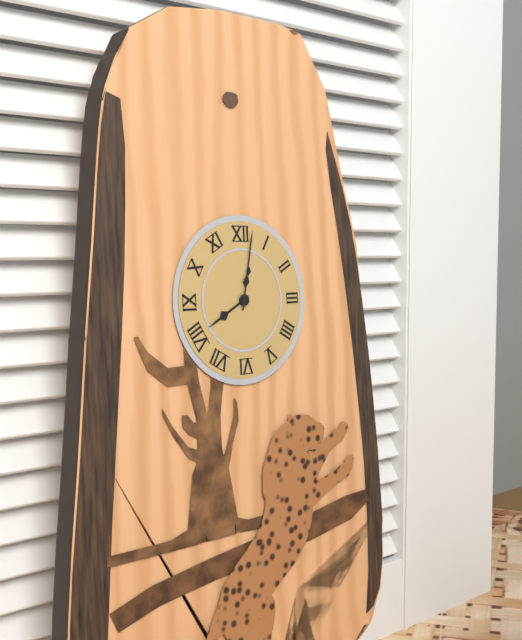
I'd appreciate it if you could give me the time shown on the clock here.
8:02
